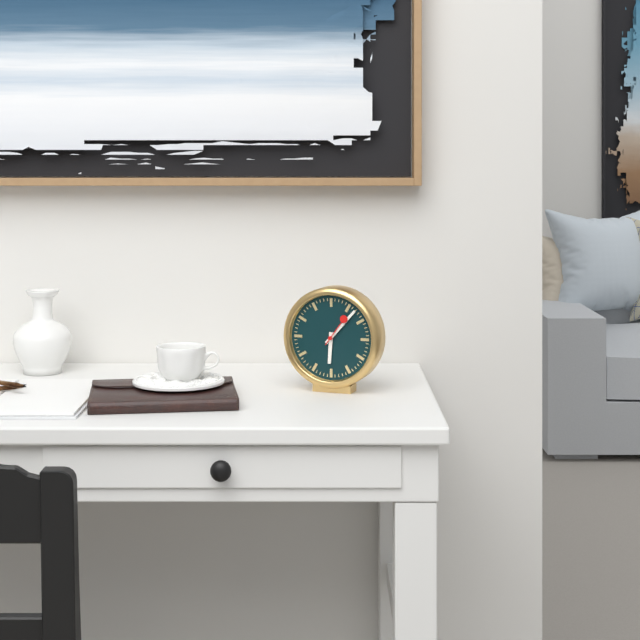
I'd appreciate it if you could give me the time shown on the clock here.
6:07
